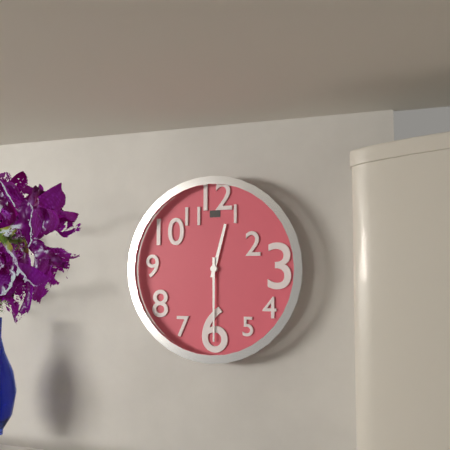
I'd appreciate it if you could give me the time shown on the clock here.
12:30
